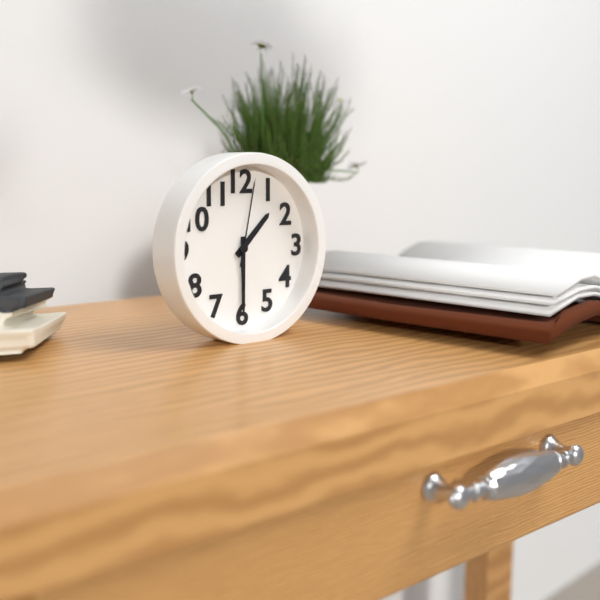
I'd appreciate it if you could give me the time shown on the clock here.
1:30:02
